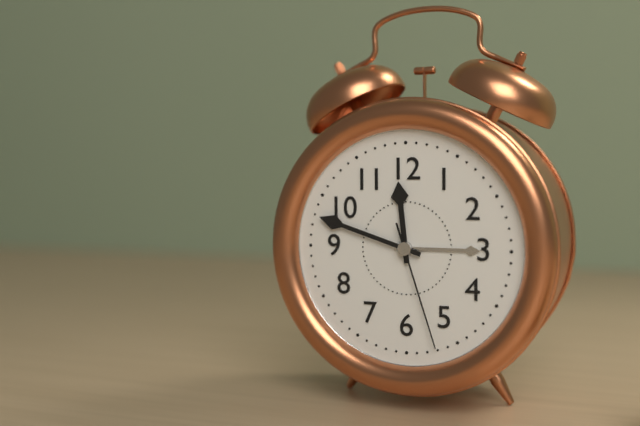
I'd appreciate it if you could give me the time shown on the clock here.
11:48:27
